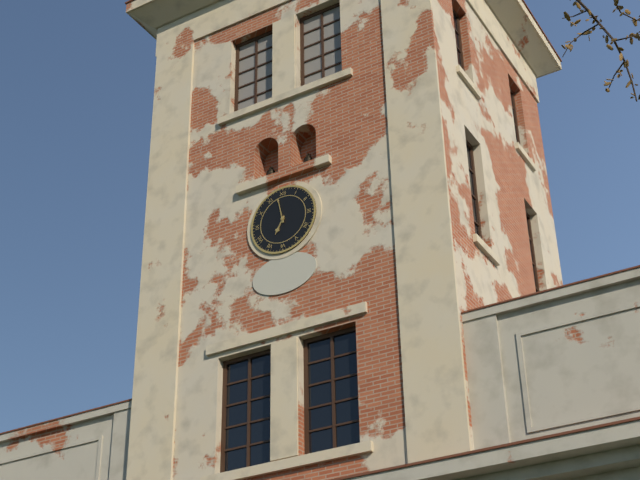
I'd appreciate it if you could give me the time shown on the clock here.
6:58
